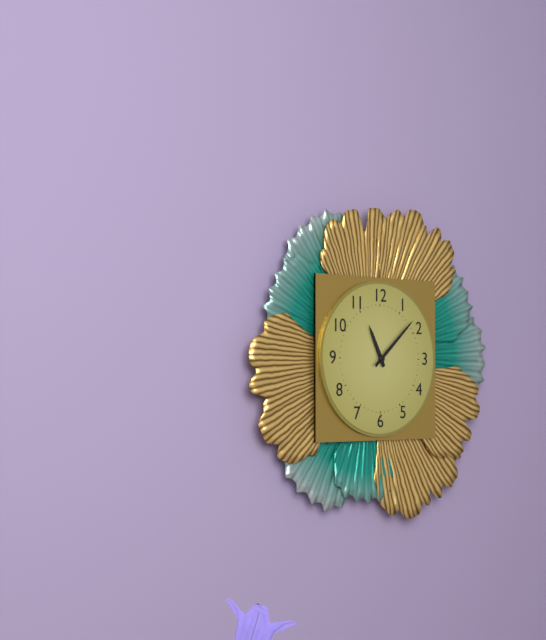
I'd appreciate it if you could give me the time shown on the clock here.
11:08
